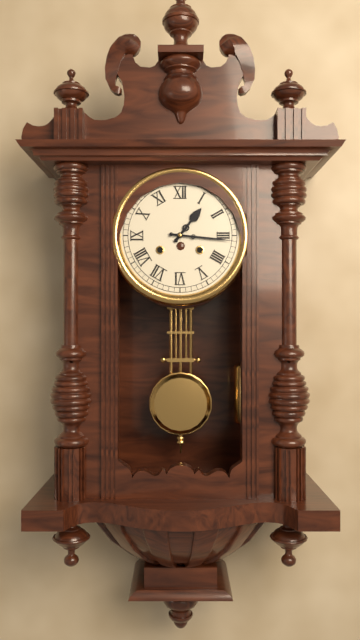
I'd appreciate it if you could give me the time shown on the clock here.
1:16
